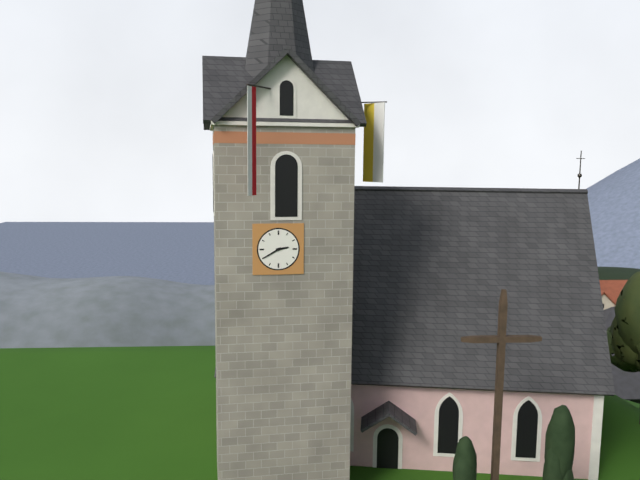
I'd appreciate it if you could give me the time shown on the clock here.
2:40
